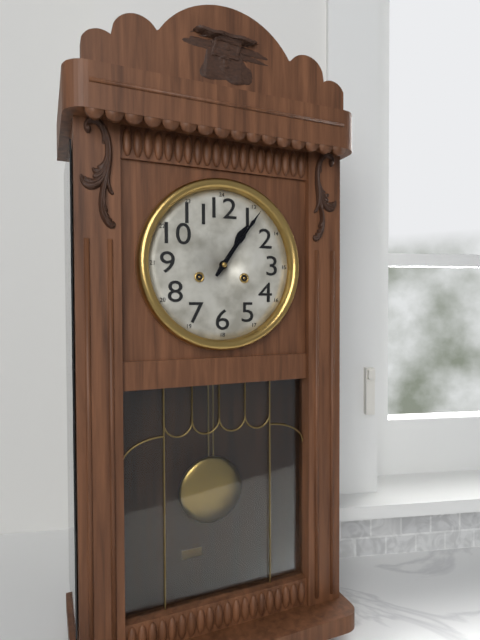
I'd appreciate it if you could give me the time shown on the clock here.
1:06
